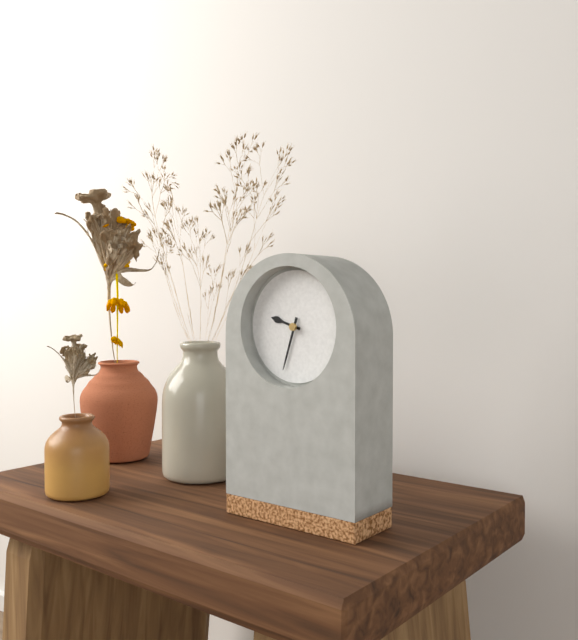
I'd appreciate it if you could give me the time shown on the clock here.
9:33
